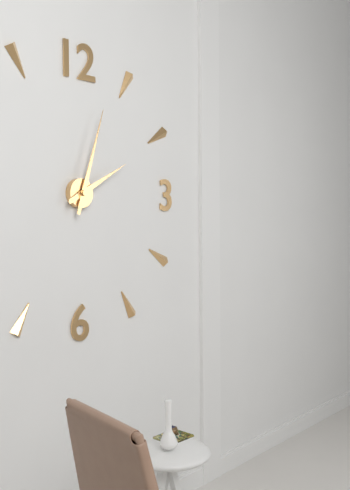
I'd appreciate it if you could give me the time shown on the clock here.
2:03
